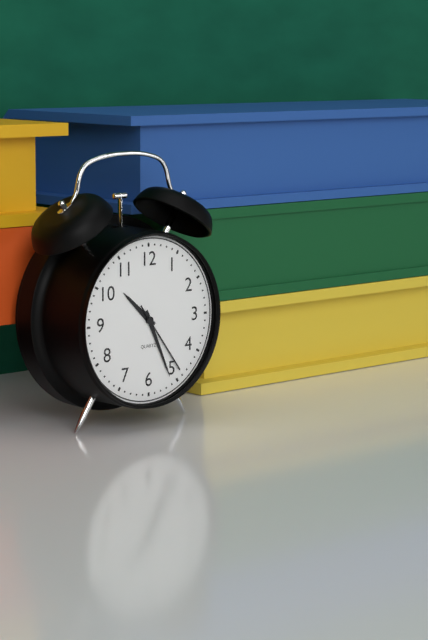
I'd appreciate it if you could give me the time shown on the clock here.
10:26:24
